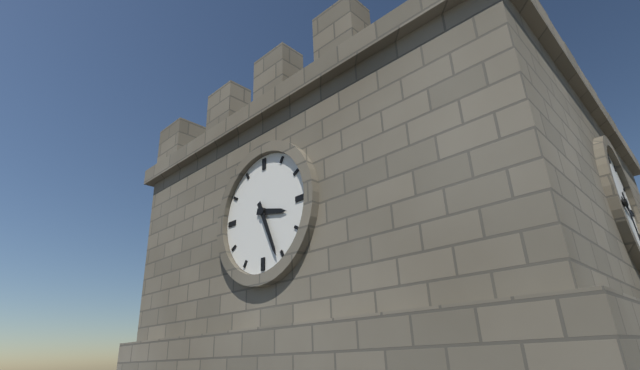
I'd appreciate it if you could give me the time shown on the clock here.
3:26
